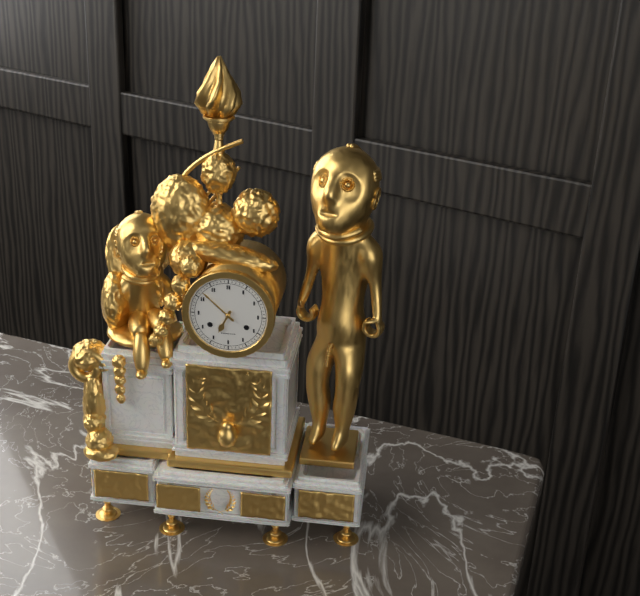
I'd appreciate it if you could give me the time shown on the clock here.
6:52
